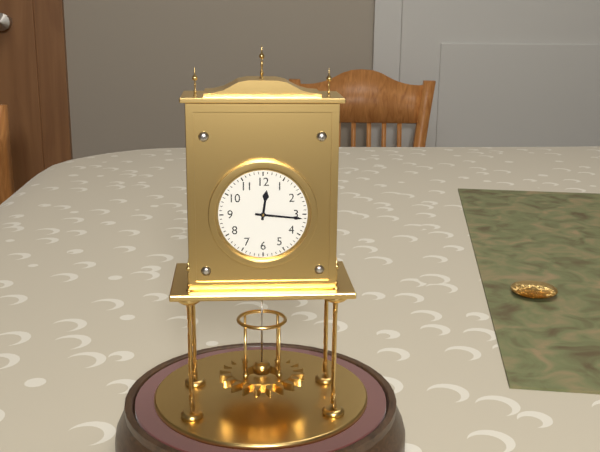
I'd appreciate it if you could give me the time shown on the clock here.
12:16
